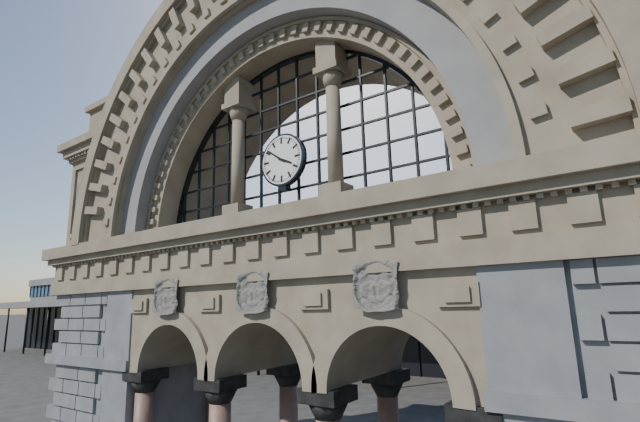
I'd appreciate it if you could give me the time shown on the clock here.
3:51
